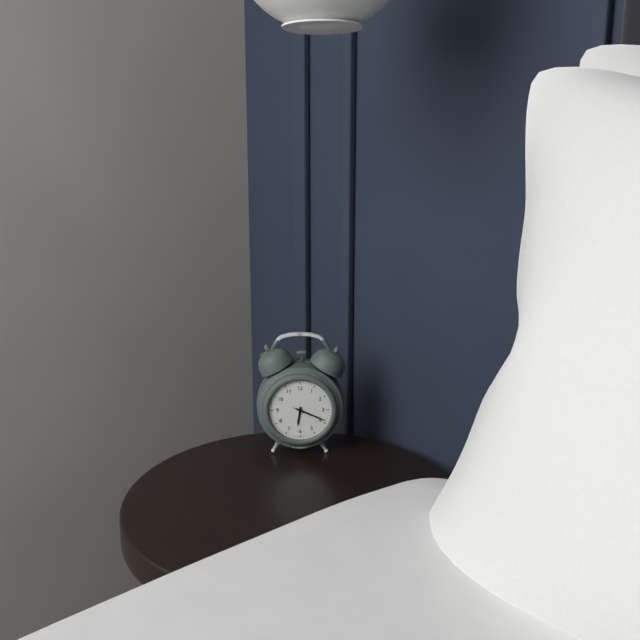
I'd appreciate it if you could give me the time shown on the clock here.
6:19
